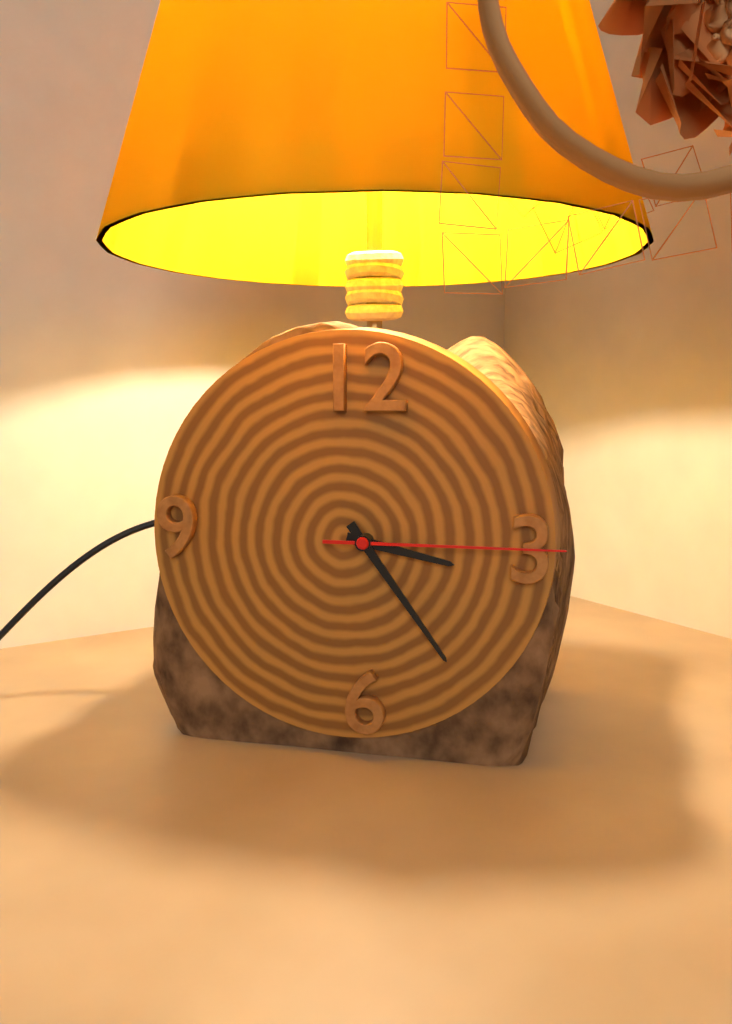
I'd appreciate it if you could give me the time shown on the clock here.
3:24:15
